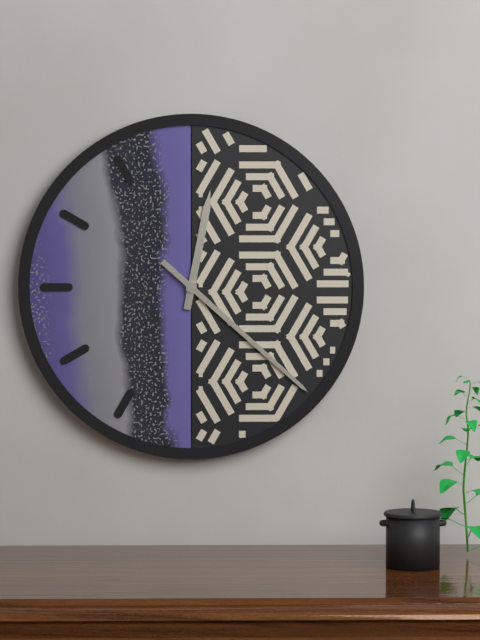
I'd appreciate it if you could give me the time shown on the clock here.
12:22
